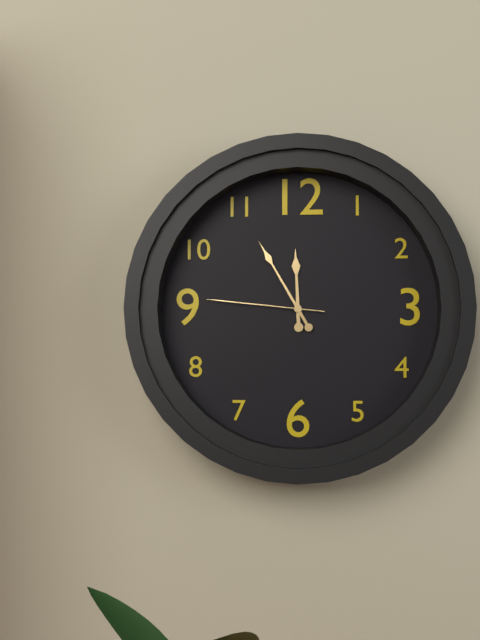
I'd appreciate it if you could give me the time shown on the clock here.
11:55:46
